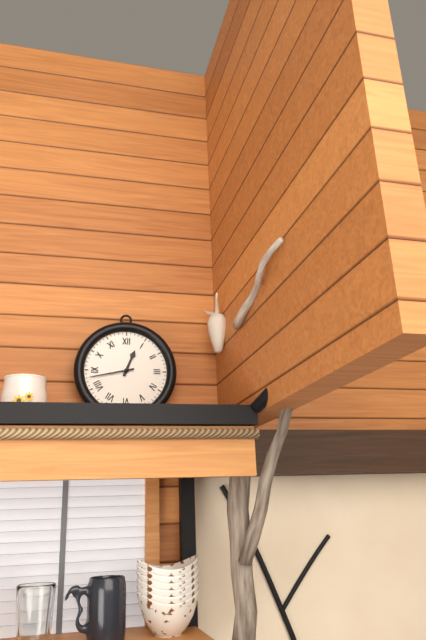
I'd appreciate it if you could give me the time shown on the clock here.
12:43
